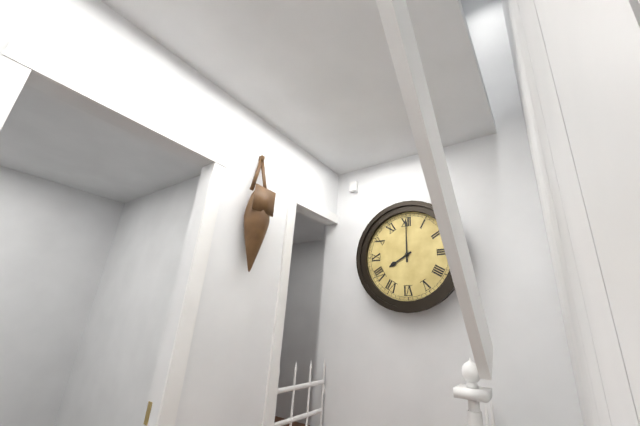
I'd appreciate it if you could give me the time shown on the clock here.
8:00
